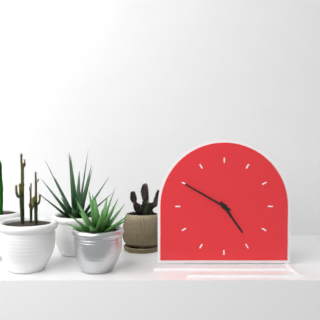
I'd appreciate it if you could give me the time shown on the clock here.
4:50
